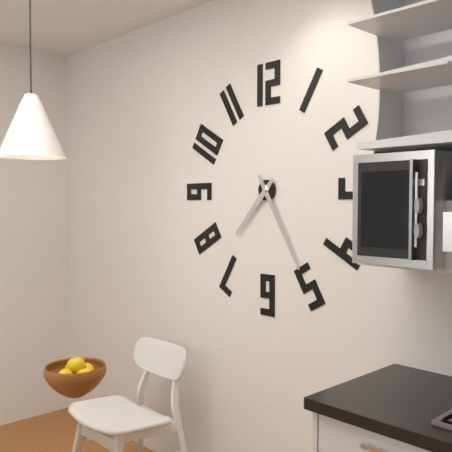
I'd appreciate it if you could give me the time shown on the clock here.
7:25
